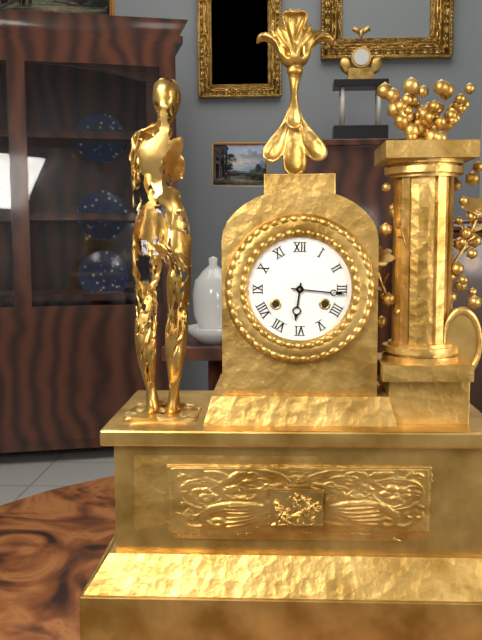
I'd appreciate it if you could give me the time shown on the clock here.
6:16
